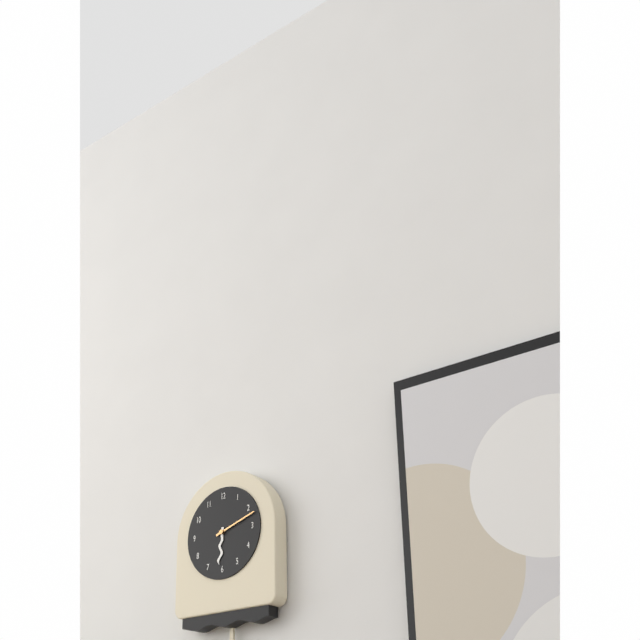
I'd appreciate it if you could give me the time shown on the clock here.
6:12
